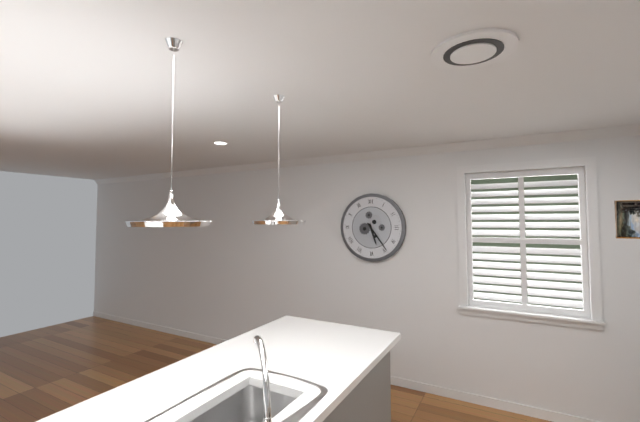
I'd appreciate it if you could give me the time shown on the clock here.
5:24
